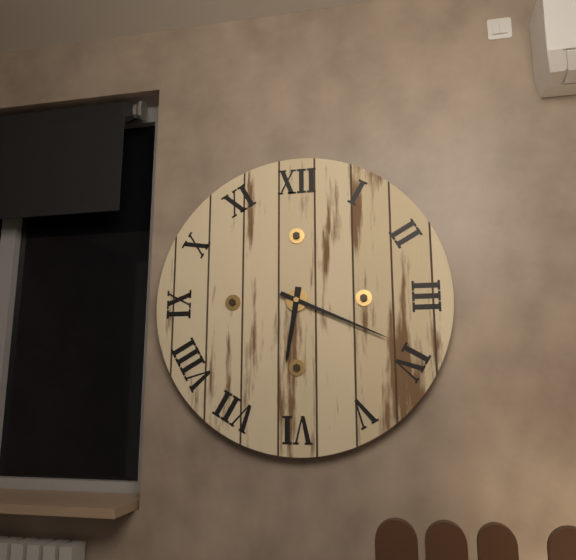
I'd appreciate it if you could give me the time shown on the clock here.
6:19
